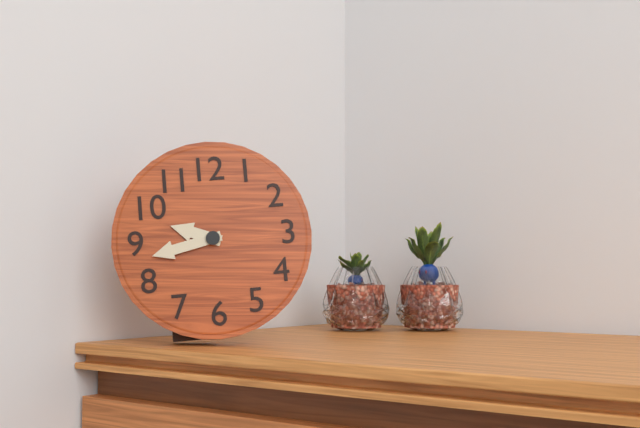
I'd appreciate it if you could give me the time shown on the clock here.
9:43
